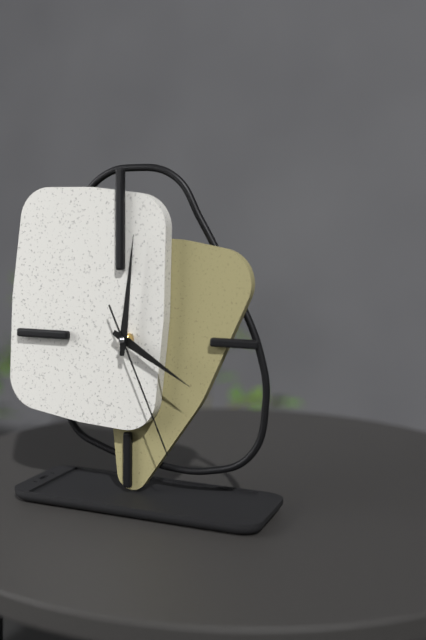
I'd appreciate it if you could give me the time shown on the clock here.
4:01:26
